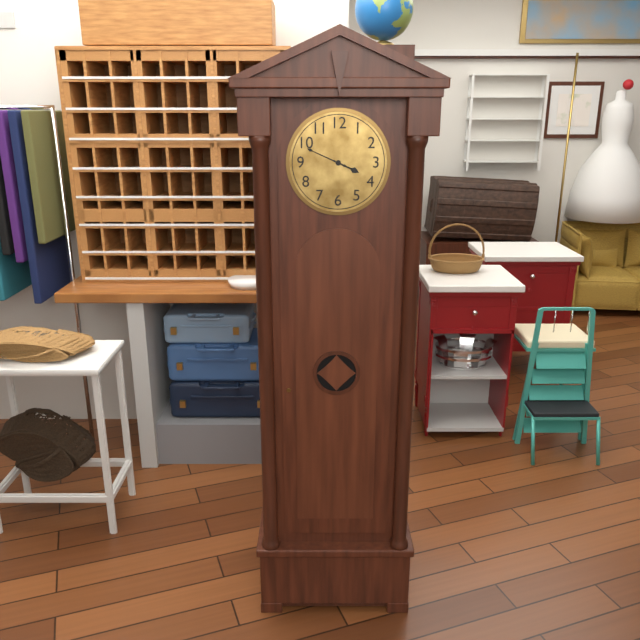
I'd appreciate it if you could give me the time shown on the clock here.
3:49
